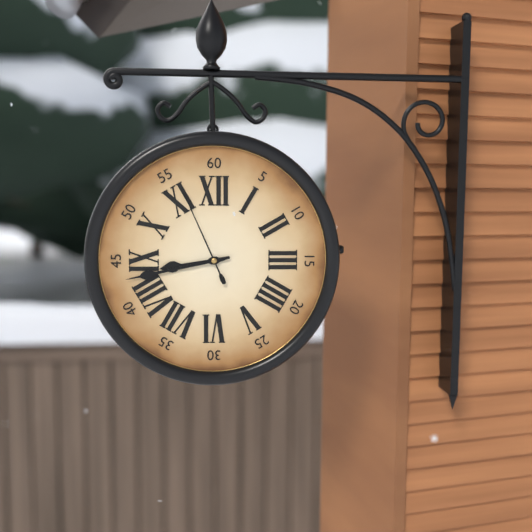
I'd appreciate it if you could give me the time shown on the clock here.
8:43:56
